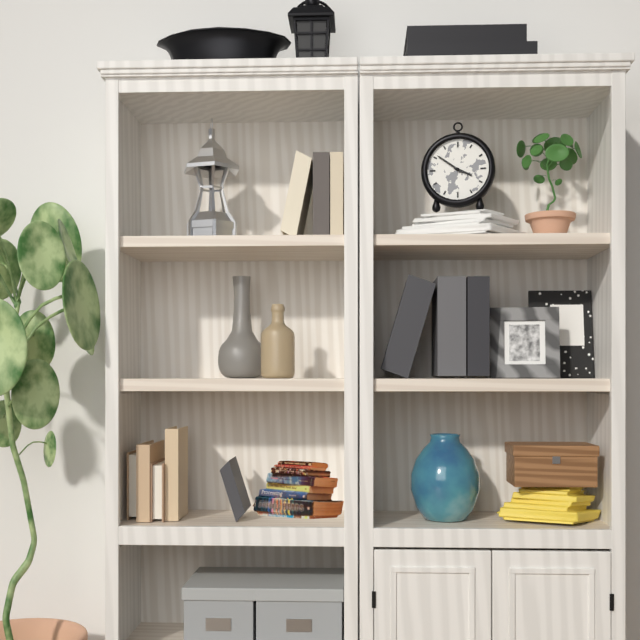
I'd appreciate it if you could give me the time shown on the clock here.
3:51
